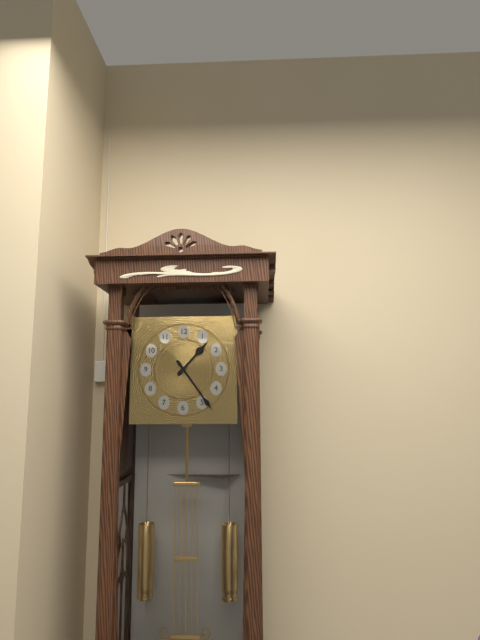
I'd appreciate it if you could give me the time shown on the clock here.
1:24
